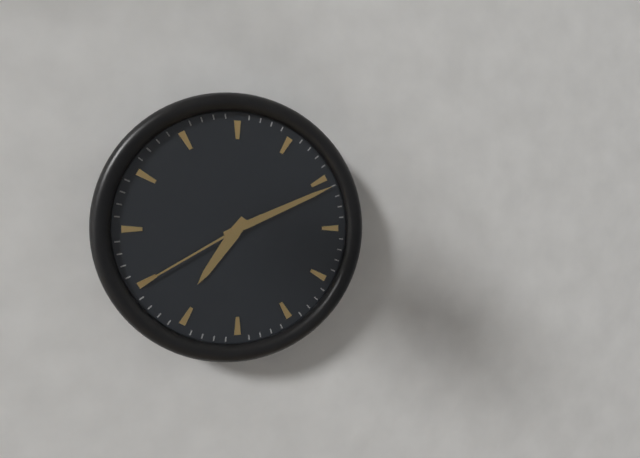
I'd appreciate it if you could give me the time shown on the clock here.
7:11:40
